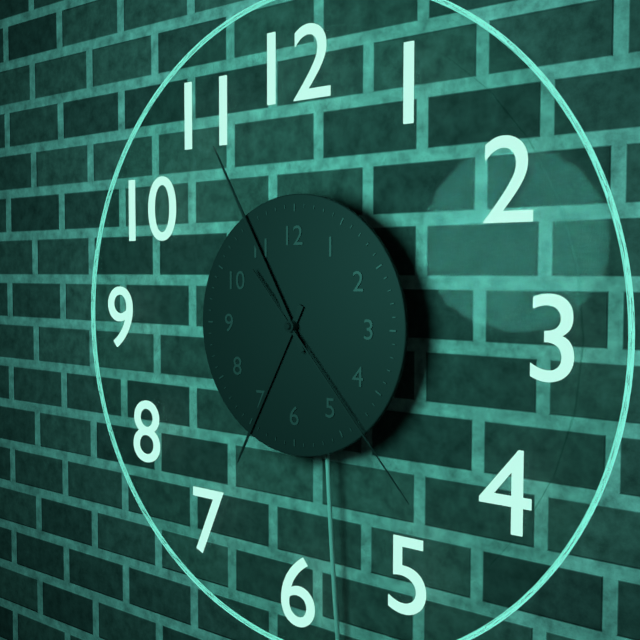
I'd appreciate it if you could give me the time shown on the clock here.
6:55:23
